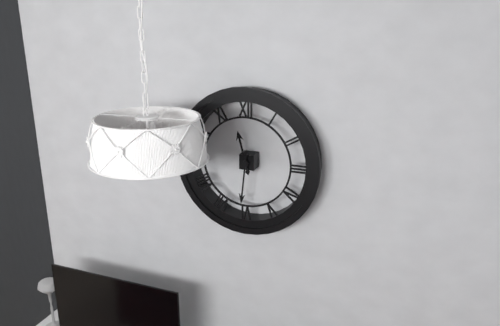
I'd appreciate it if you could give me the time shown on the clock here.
11:31
